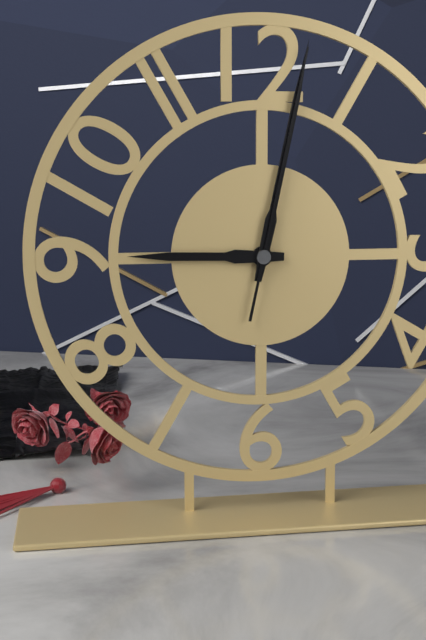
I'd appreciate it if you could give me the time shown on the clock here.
9:02:02
